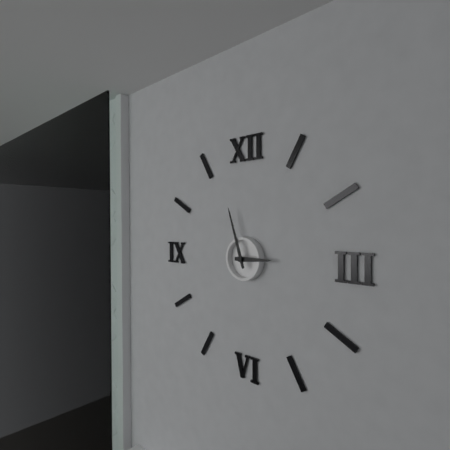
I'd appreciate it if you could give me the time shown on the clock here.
2:57
